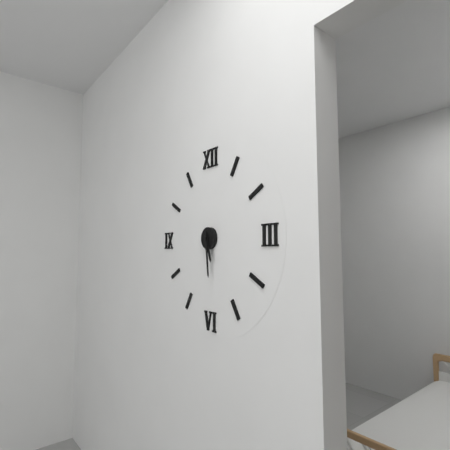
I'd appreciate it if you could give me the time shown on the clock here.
5:29
